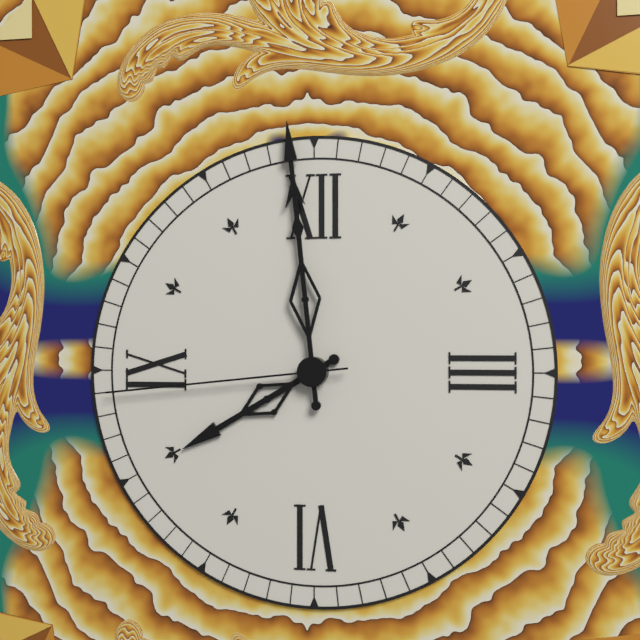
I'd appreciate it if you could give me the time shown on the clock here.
7:59:44
